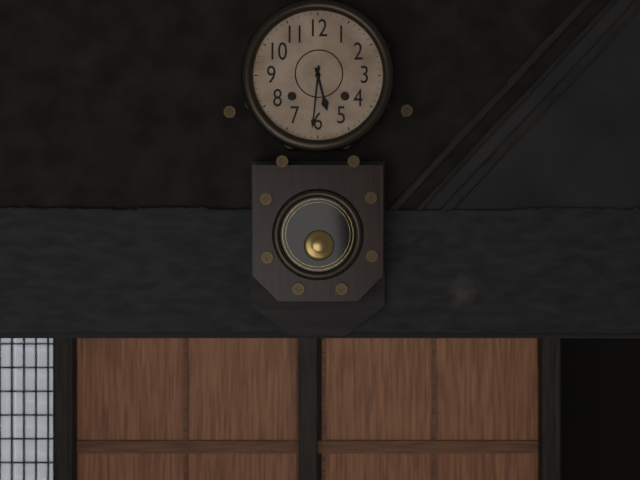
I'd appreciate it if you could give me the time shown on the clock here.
5:31
